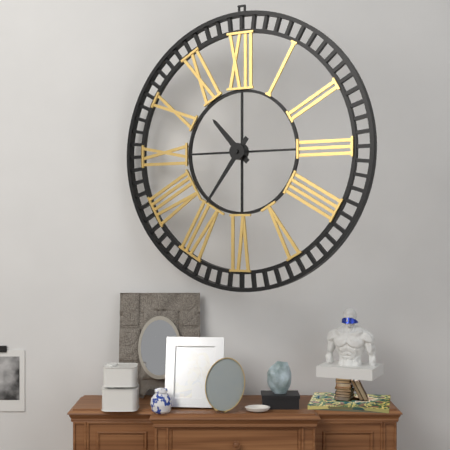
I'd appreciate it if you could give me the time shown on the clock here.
10:36
